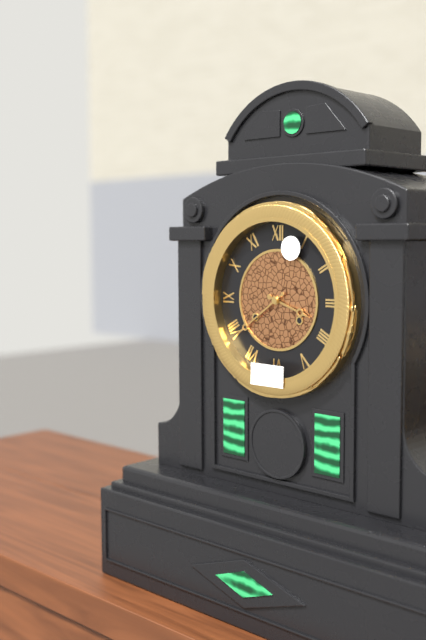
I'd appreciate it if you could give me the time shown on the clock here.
3:39
